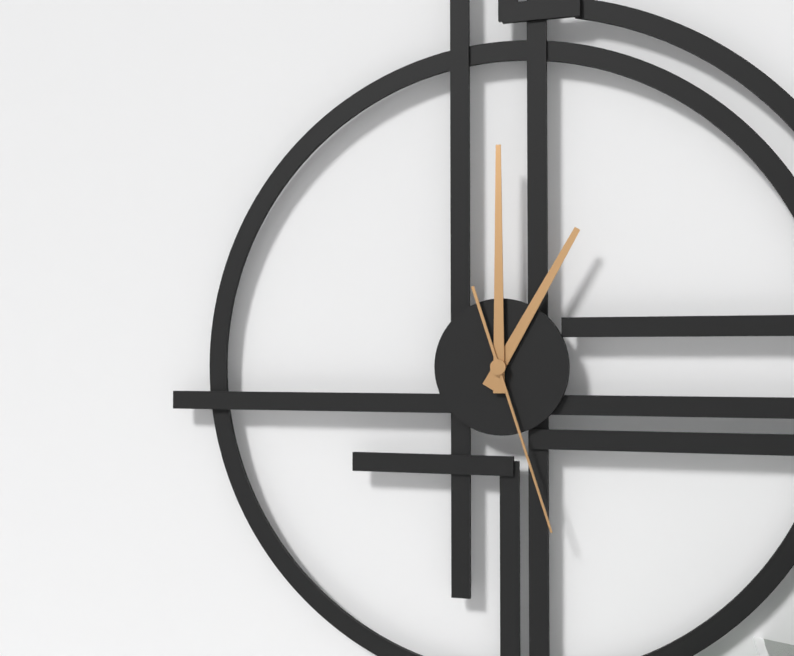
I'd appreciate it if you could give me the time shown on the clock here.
1:00:27
